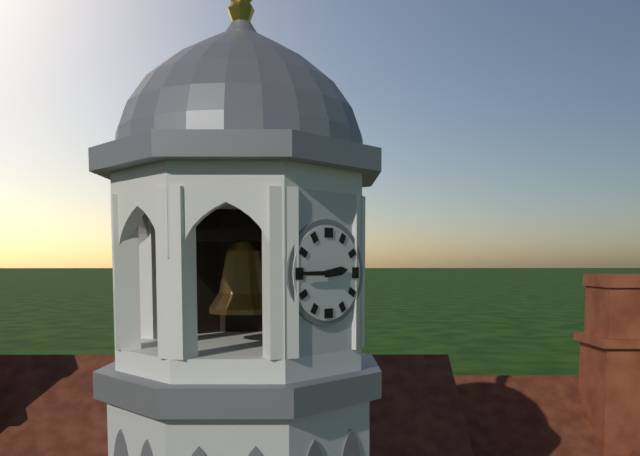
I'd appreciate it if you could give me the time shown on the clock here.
2:45
